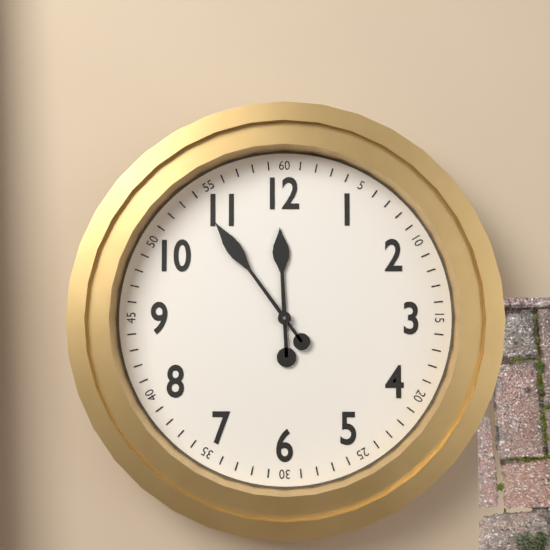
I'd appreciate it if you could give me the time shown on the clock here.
11:54
